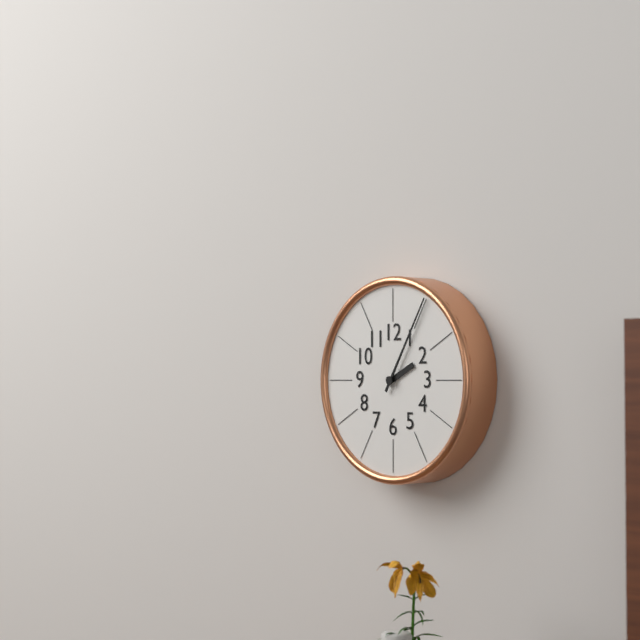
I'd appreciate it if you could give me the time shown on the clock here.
2:05
